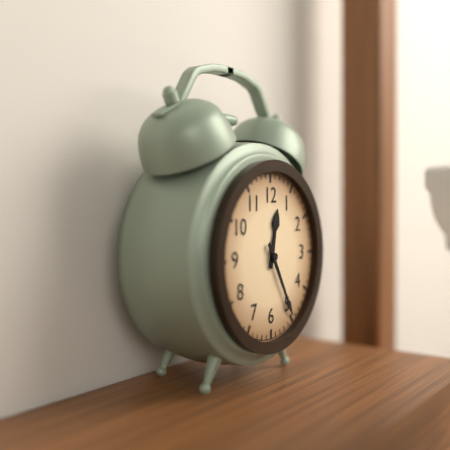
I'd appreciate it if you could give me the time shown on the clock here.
12:25
